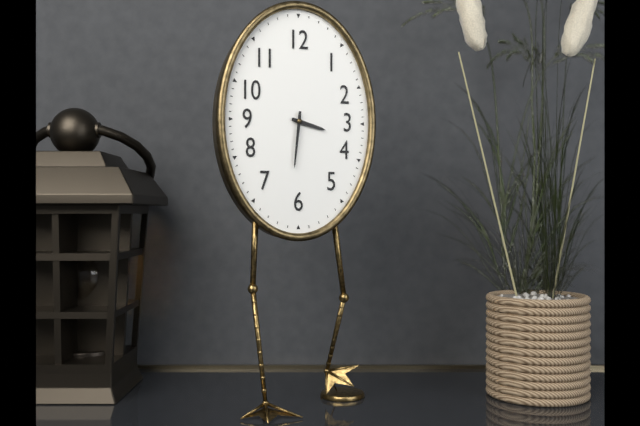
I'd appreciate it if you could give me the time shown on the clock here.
3:31
